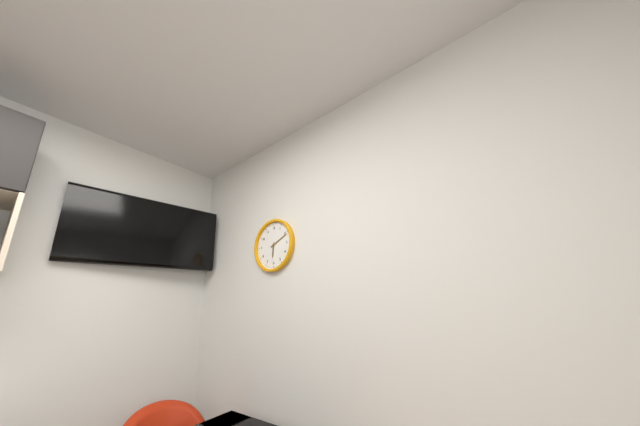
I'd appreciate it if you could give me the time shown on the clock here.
6:11
